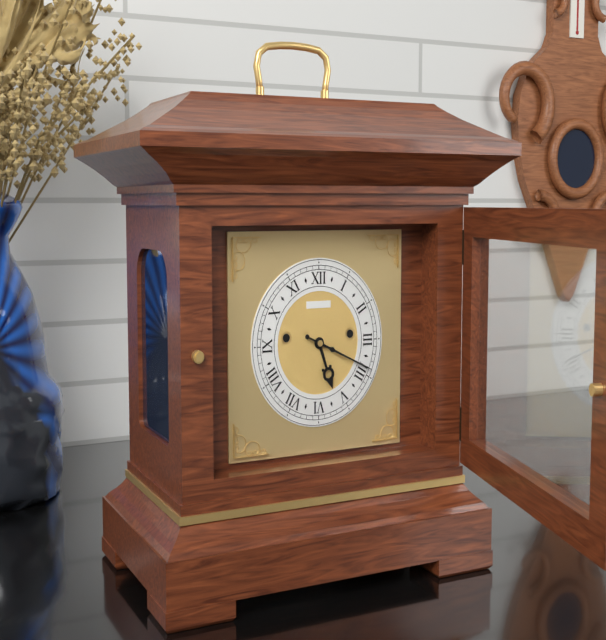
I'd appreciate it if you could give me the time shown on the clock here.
5:19
